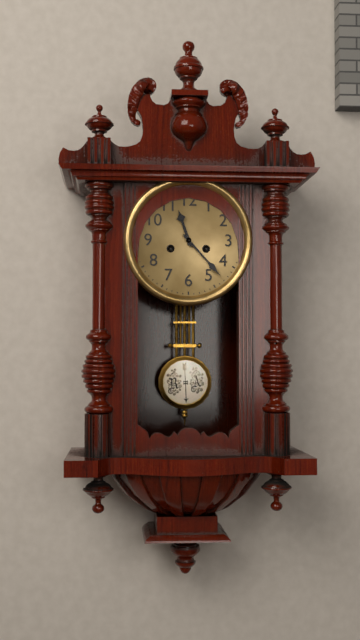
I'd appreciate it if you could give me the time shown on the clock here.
11:23
